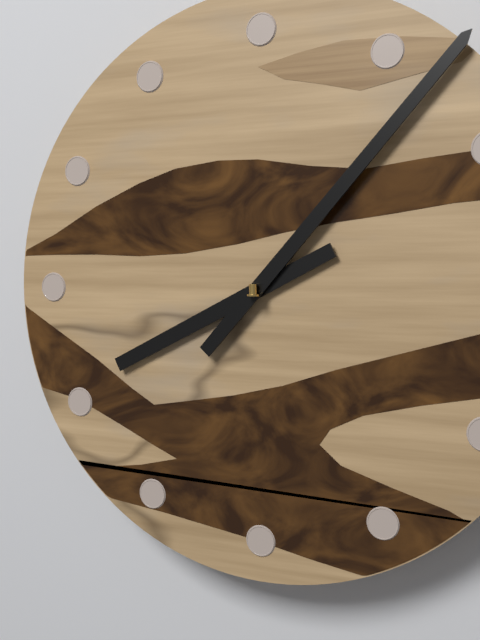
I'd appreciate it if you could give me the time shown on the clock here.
8:07
